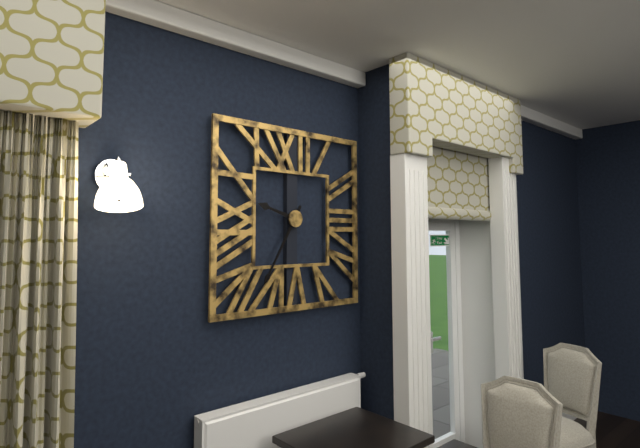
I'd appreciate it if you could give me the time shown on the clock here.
9:35
